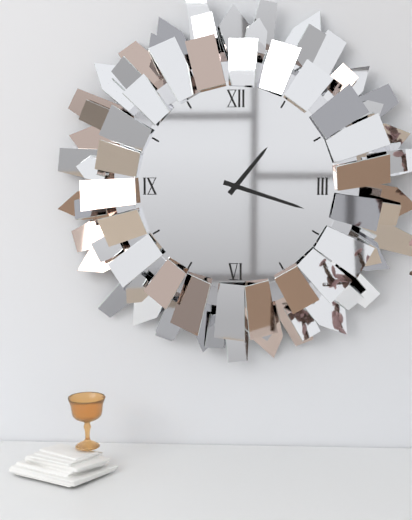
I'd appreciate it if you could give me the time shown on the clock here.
1:18
